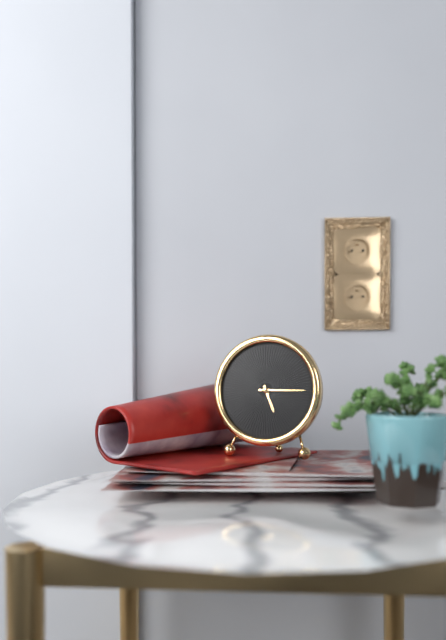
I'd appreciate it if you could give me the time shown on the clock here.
5:15
